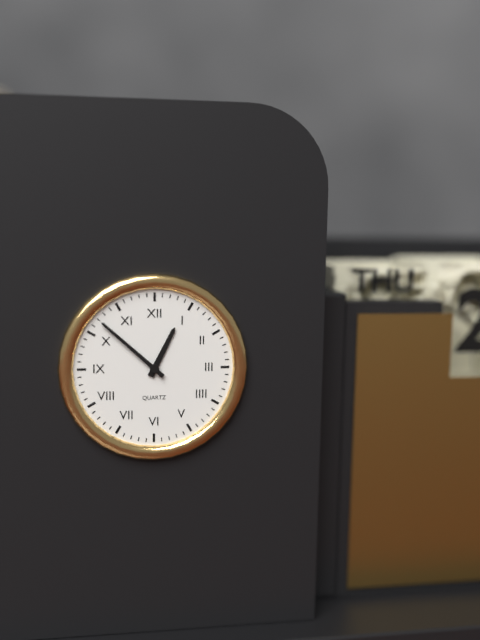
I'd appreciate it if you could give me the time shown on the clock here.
12:52
